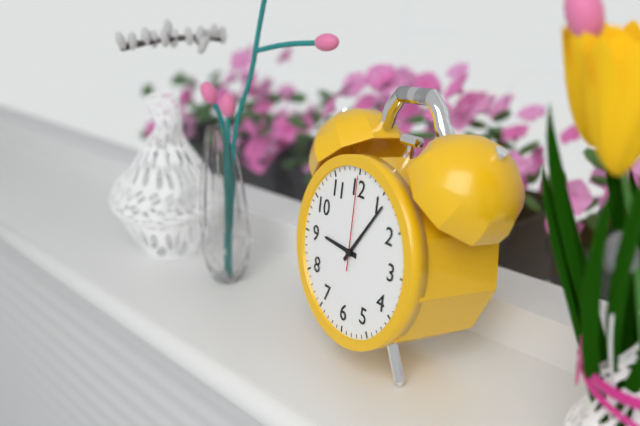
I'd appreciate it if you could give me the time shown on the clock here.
9:06:00
